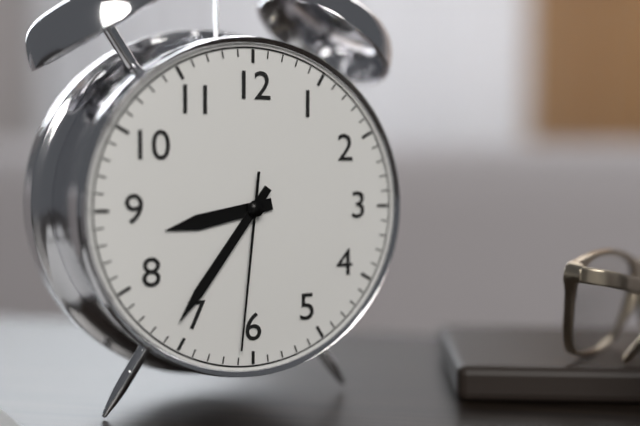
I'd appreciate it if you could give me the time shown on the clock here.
8:36:31
